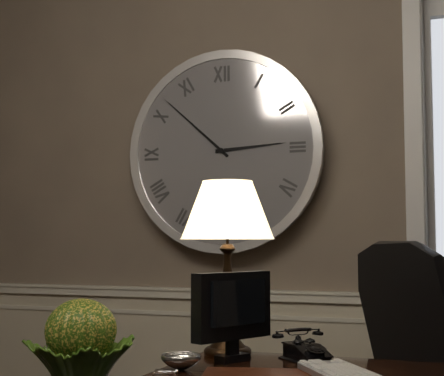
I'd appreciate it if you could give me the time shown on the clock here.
2:52
